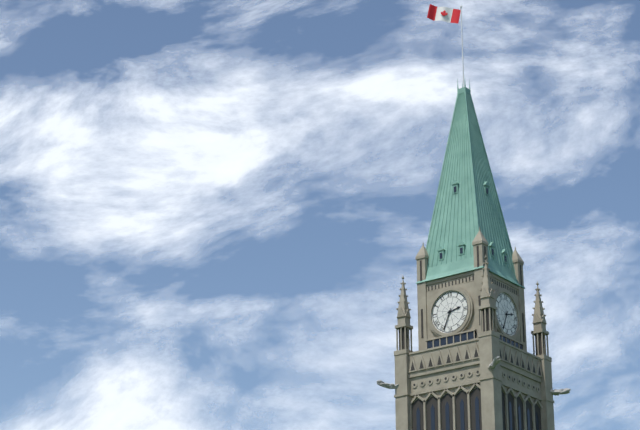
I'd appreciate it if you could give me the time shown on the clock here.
2:34
